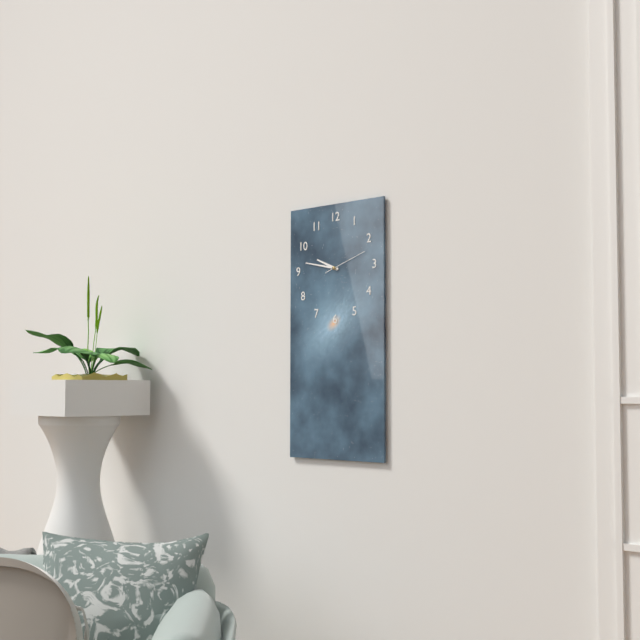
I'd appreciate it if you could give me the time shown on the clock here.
9:47
